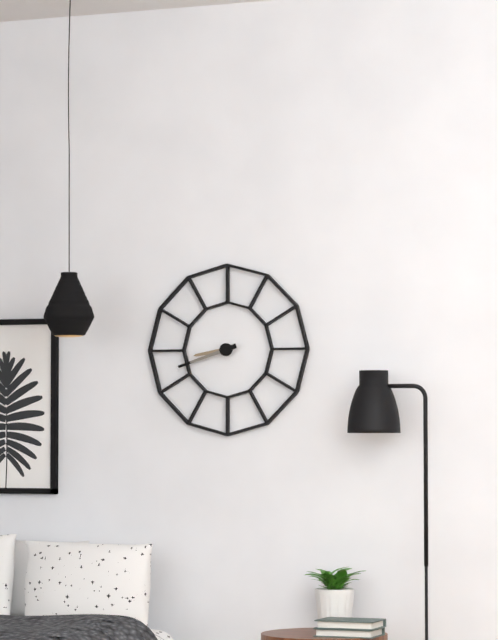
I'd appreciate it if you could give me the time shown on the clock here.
8:42
